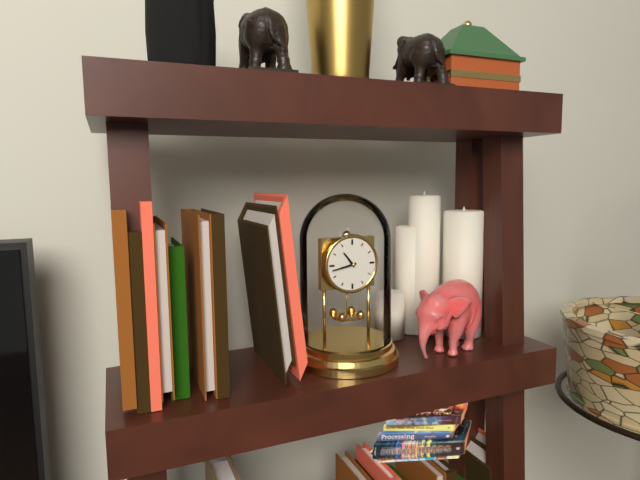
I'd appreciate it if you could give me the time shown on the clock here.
10:43
